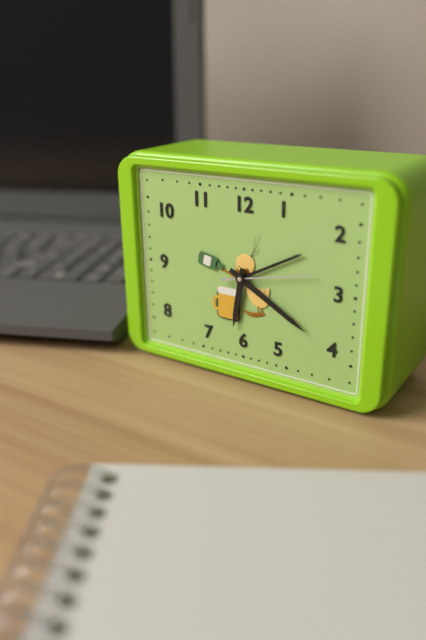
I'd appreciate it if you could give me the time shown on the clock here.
6:20:13
